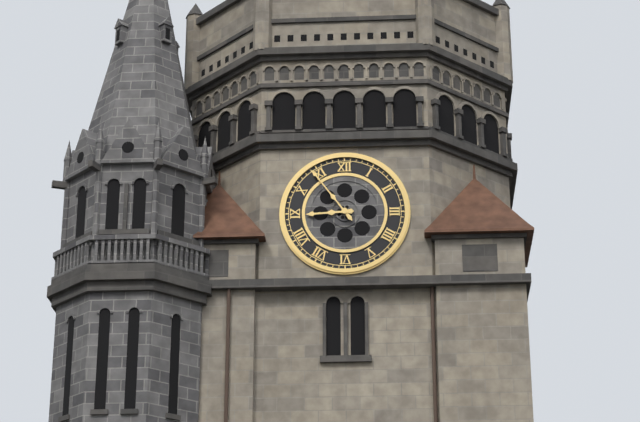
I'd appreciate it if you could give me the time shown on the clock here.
8:54
